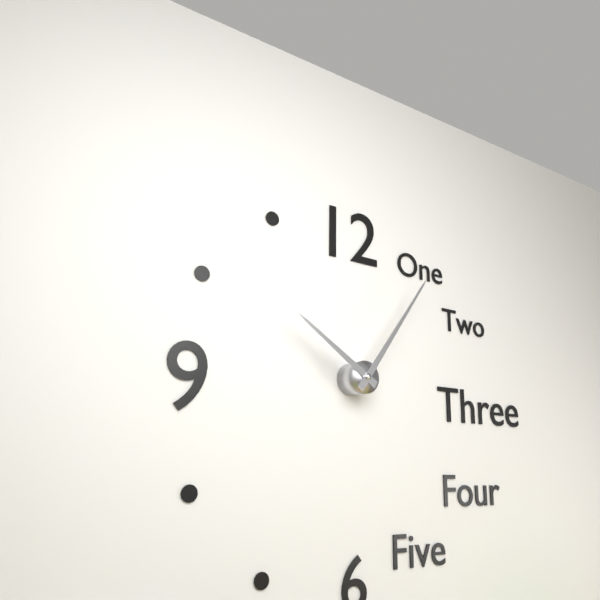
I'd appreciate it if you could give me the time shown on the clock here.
10:06
